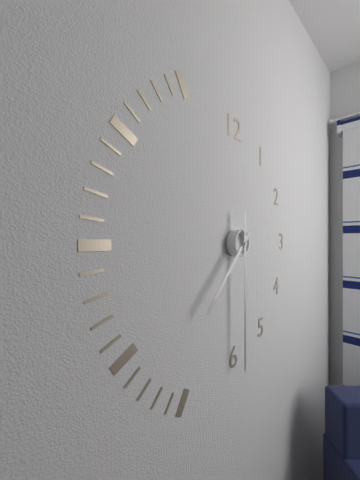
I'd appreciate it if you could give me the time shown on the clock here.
7:30
